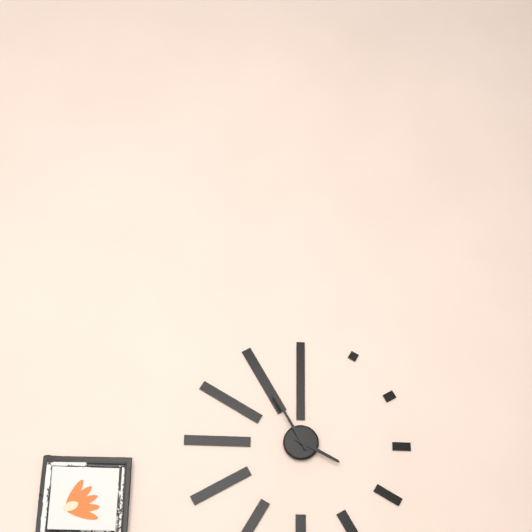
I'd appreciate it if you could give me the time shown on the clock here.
3:55
